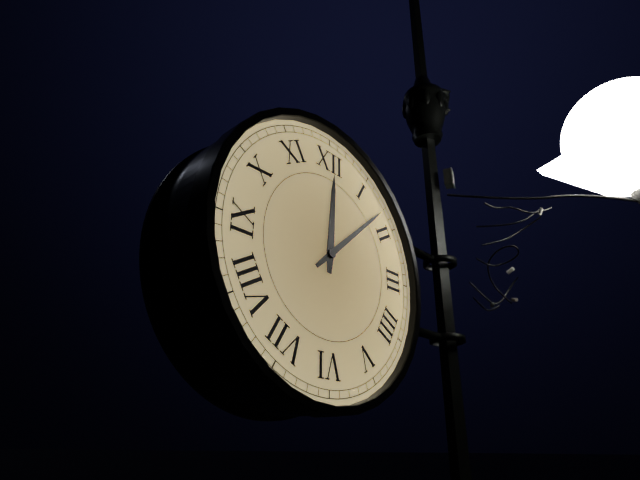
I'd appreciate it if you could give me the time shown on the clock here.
12:08
